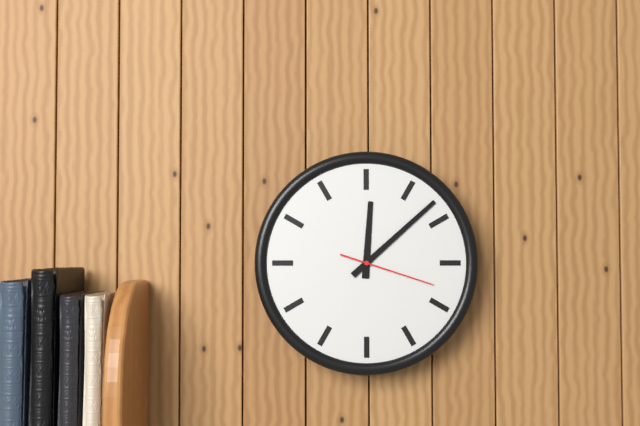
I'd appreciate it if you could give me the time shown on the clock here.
12:08:18
